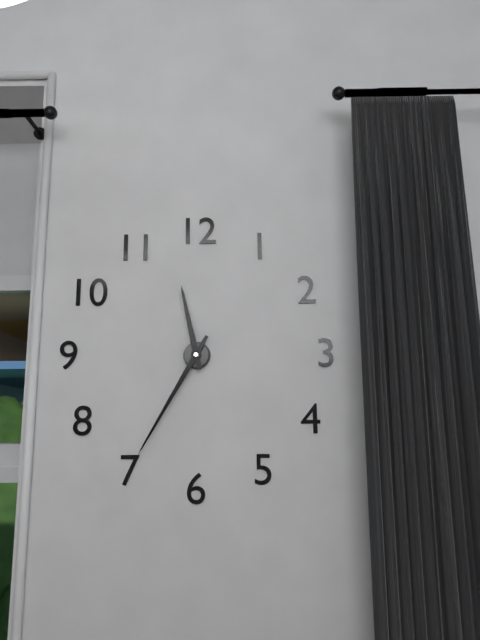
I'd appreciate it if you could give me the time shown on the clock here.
11:35
